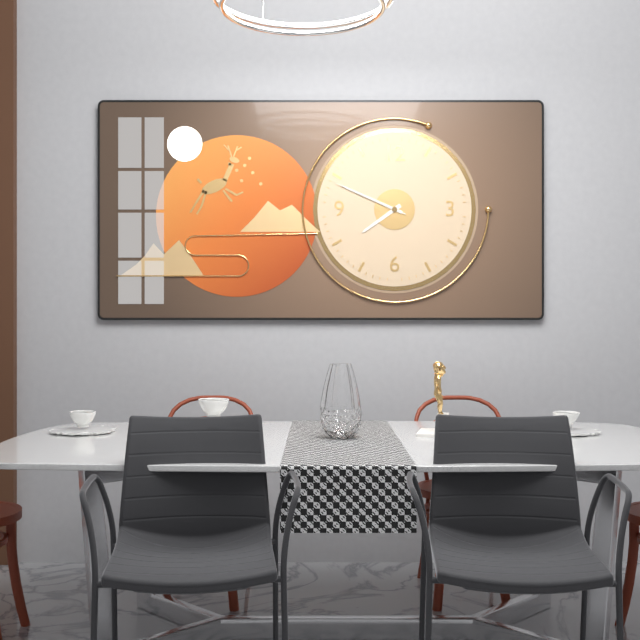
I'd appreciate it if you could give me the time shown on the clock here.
7:49:49
